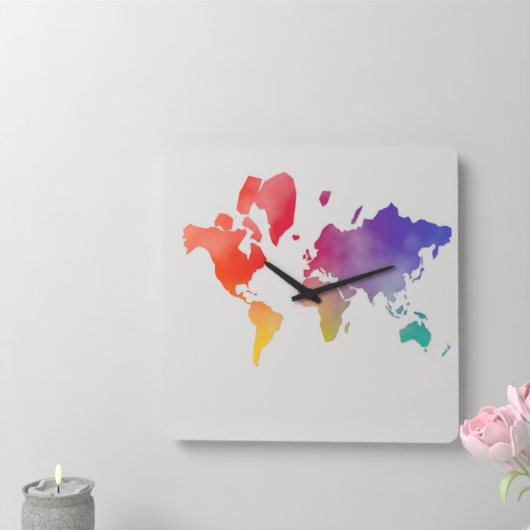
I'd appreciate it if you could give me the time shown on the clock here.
10:12
